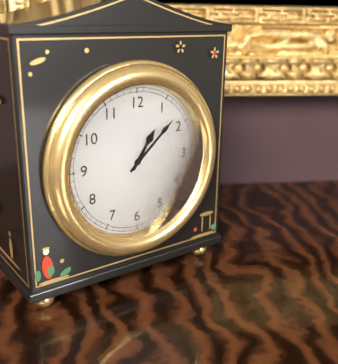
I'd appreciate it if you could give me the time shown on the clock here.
1:08
